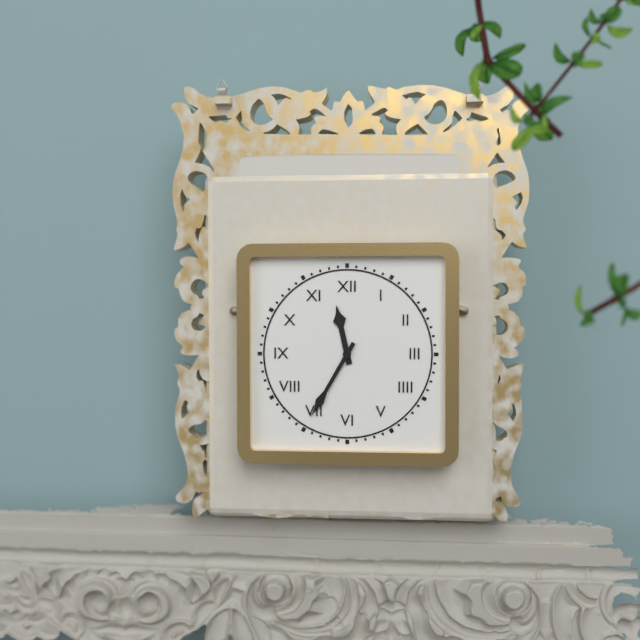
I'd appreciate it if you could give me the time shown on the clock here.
11:35
